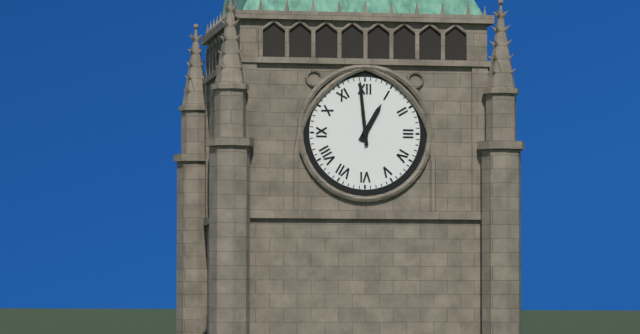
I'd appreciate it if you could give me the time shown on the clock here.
12:59
